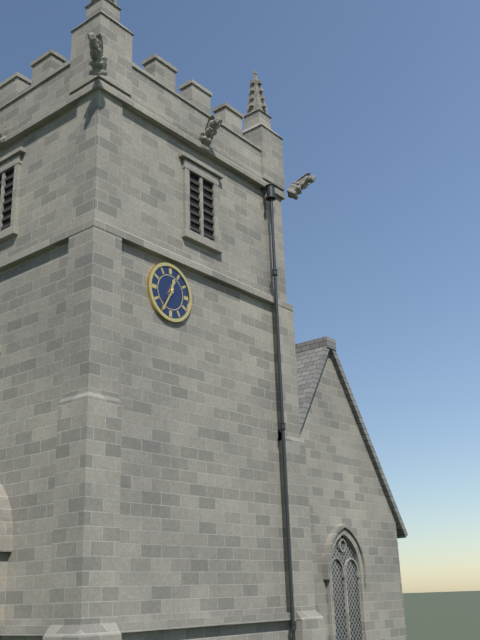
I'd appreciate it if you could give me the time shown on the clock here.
12:35
